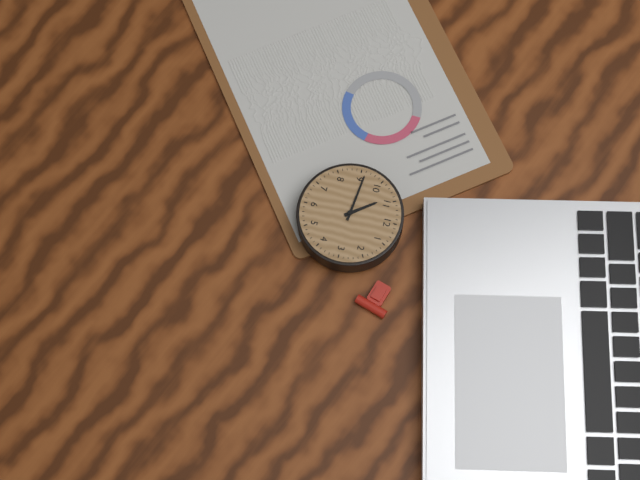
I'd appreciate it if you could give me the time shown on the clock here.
10:46
